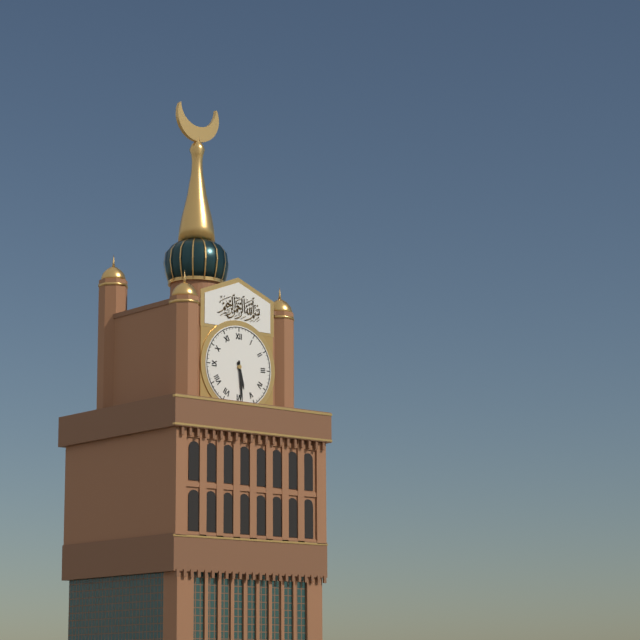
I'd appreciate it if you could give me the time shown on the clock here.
5:29
